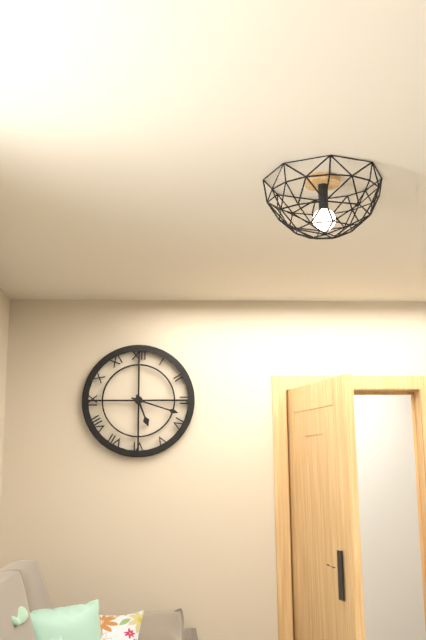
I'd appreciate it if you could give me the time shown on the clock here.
5:18
